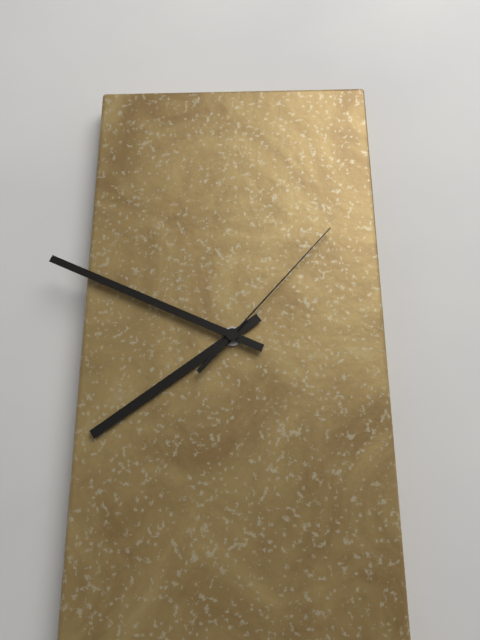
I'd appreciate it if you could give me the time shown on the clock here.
7:49:07
